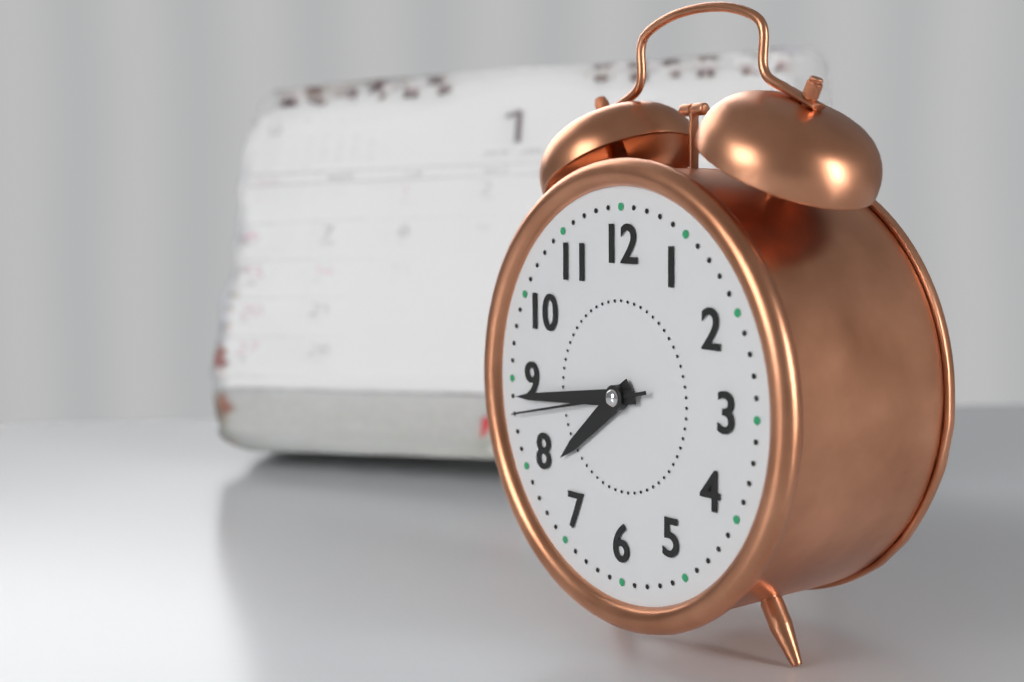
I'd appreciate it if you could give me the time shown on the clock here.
7:44:43
